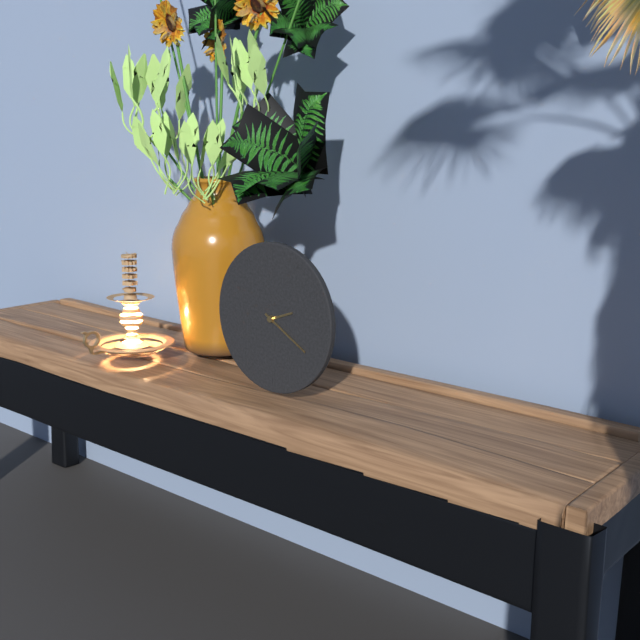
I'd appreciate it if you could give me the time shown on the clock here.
2:20
